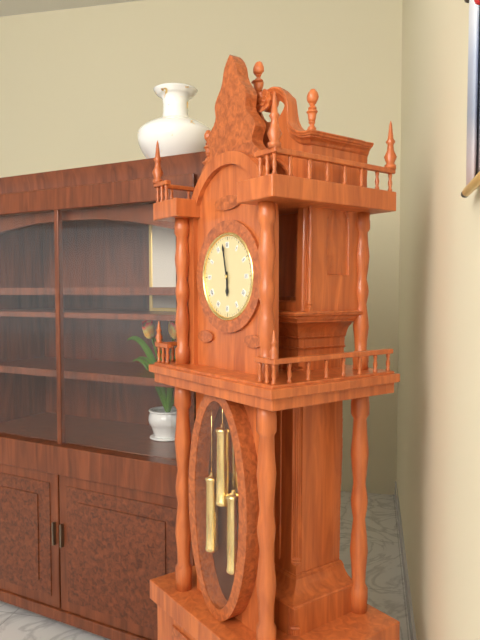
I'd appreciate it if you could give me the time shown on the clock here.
5:58
